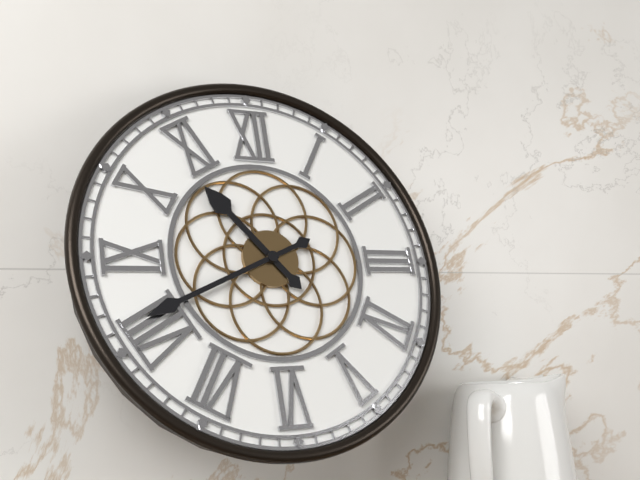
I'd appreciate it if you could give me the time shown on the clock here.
10:41
